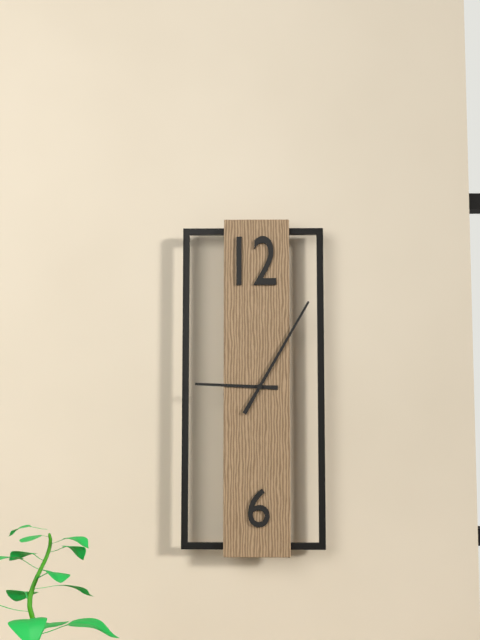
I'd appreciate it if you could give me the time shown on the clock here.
9:05
